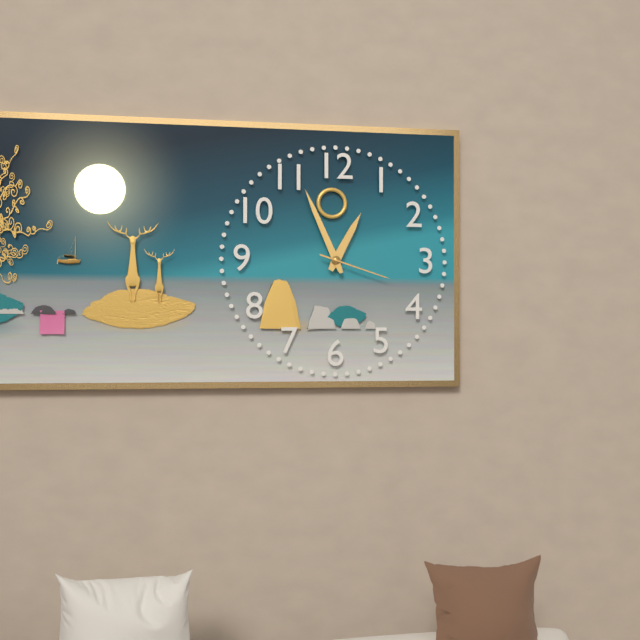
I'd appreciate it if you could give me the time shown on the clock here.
12:56:18
